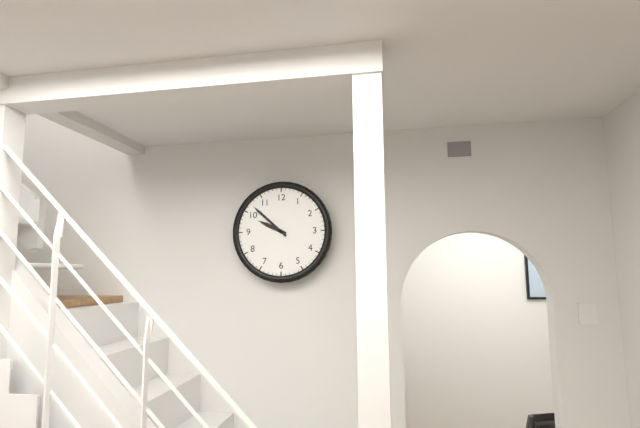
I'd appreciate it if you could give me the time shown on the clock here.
9:52
